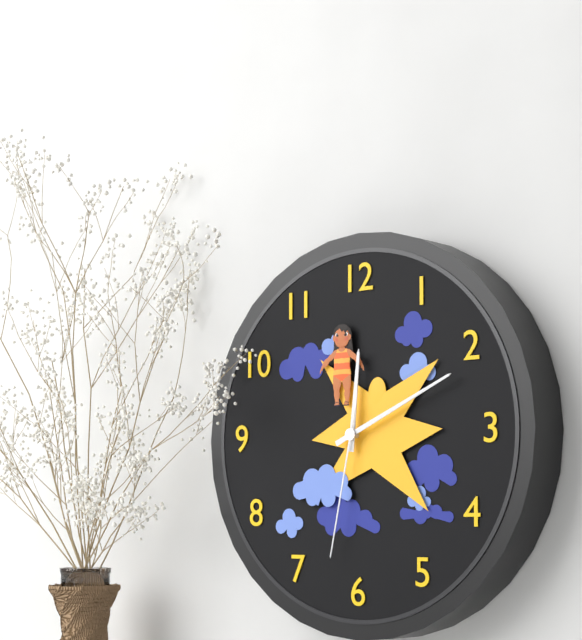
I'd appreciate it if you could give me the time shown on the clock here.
12:11:32
